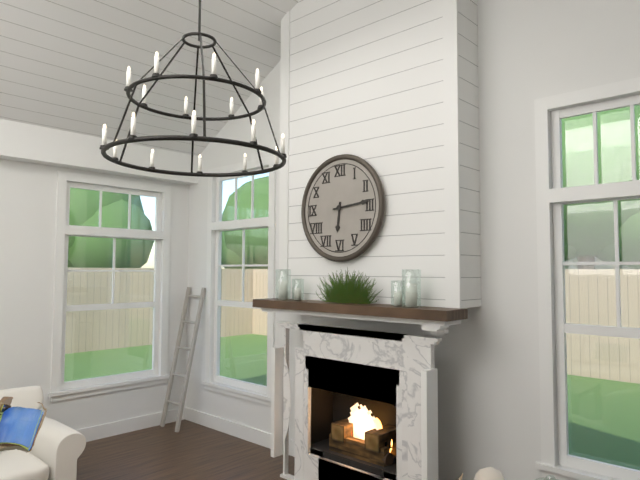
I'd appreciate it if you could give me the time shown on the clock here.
6:14
